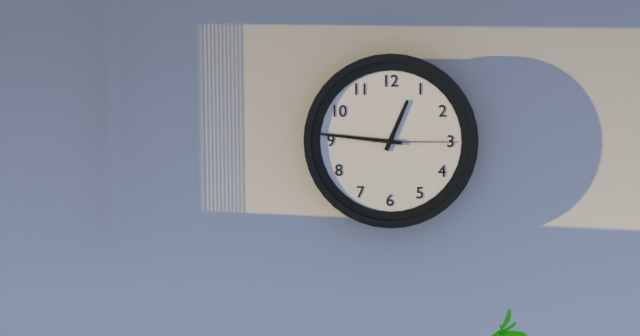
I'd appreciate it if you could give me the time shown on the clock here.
12:46:15
